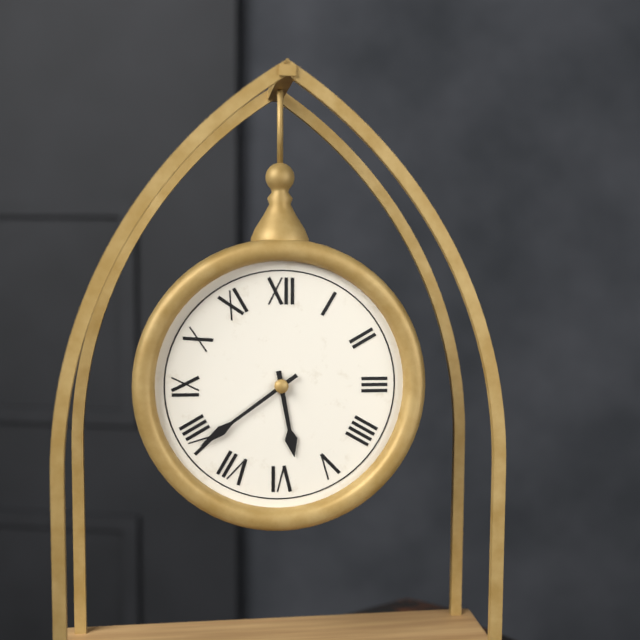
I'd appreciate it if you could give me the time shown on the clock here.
5:39
